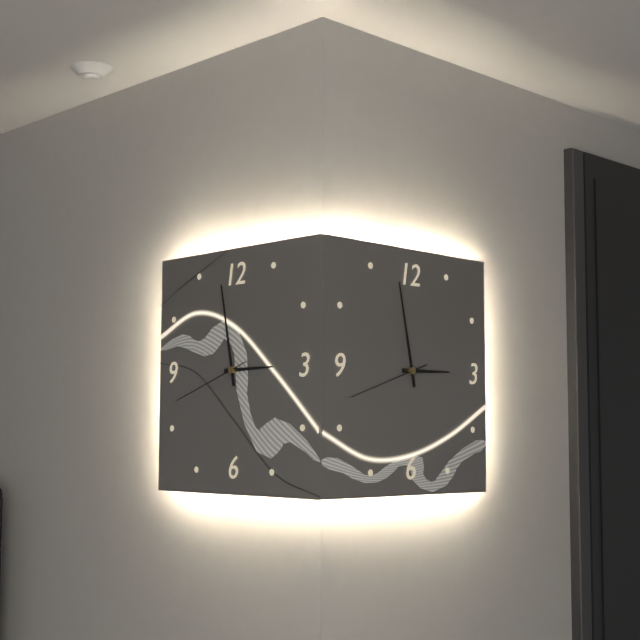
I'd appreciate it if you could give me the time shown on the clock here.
2:58:42
